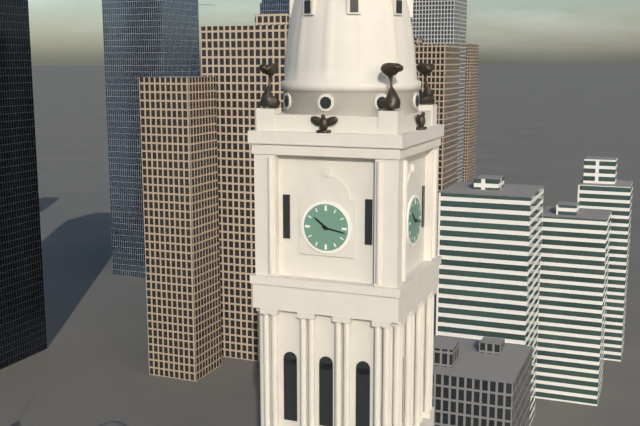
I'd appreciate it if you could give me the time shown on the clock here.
10:17
